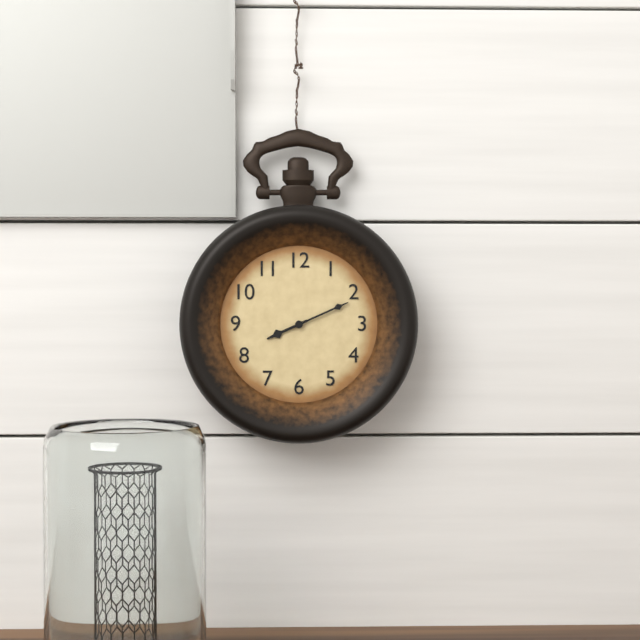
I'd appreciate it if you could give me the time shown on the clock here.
8:11
